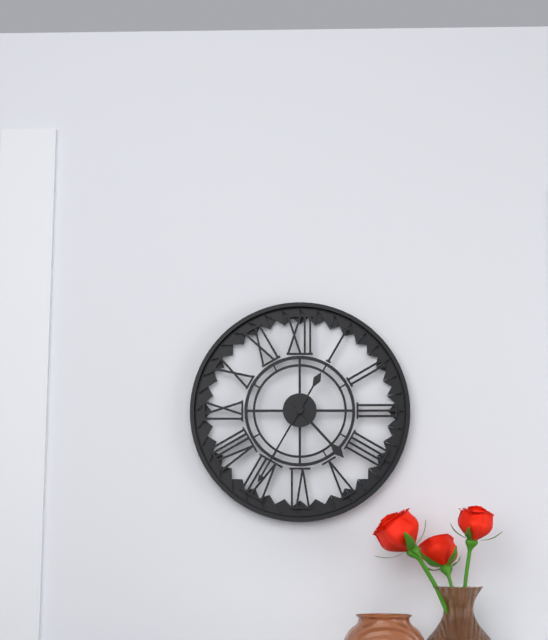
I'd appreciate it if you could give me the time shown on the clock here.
4:35
